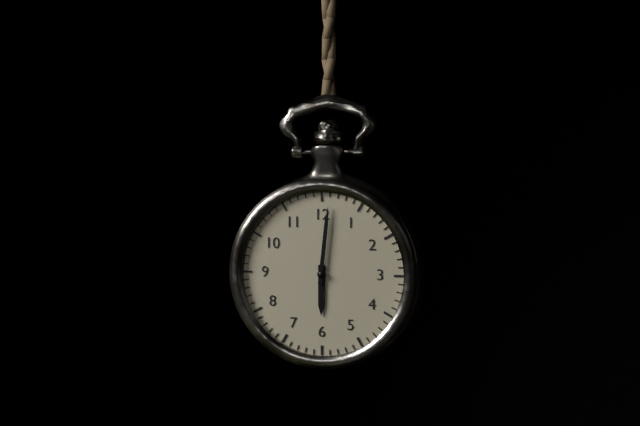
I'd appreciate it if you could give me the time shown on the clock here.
6:01
